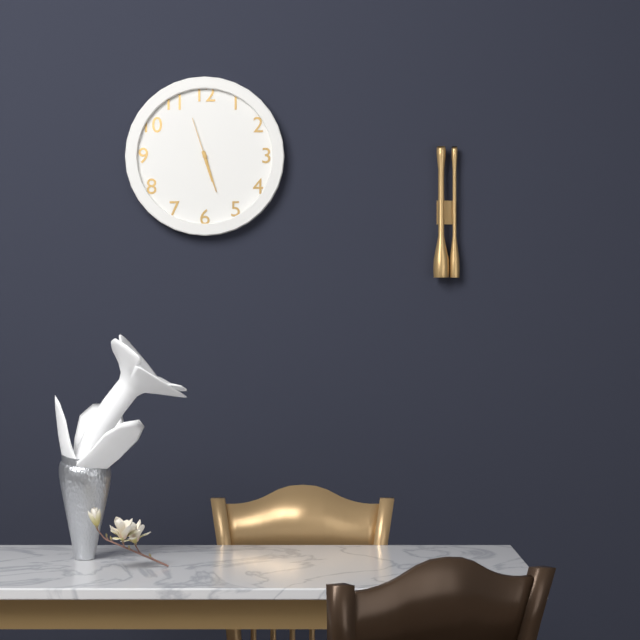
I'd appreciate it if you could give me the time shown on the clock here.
5:27:57
